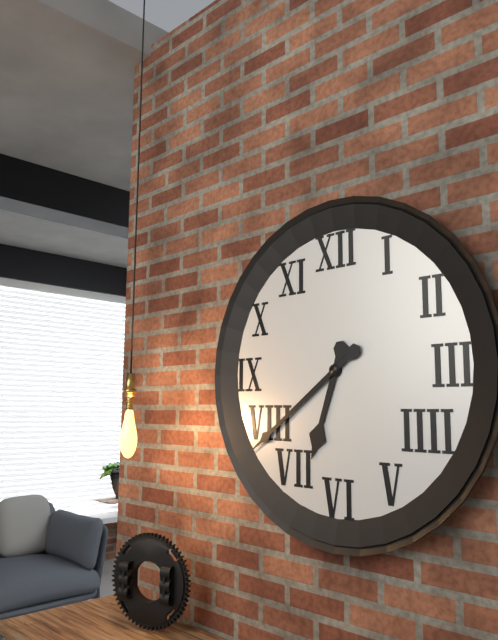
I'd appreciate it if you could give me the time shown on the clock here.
6:39
